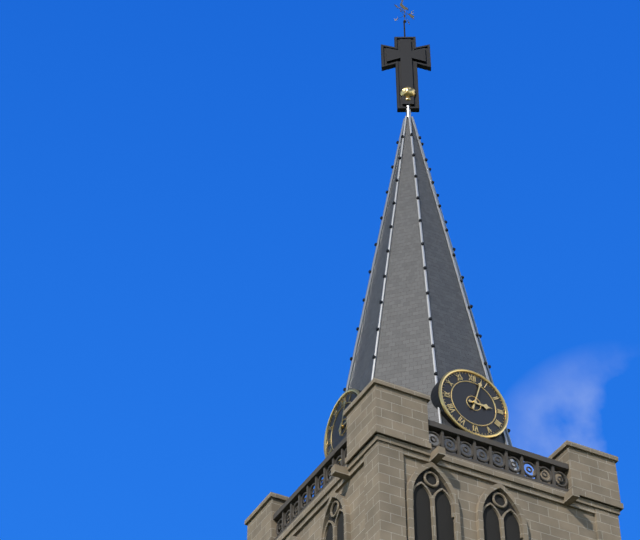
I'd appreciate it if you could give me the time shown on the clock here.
3:03
